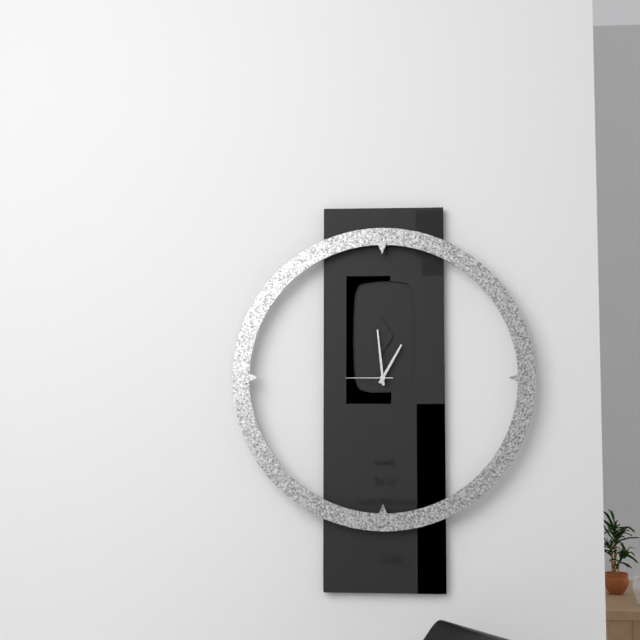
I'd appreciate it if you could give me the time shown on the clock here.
12:59
